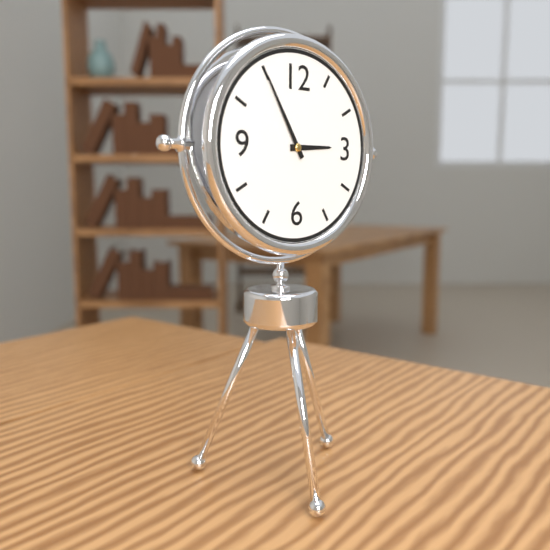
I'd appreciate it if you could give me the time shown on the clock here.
2:55
